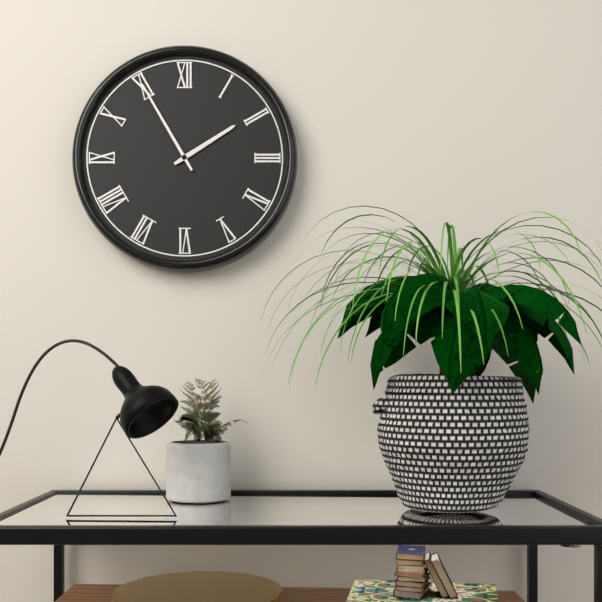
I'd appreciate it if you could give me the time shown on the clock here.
1:55
